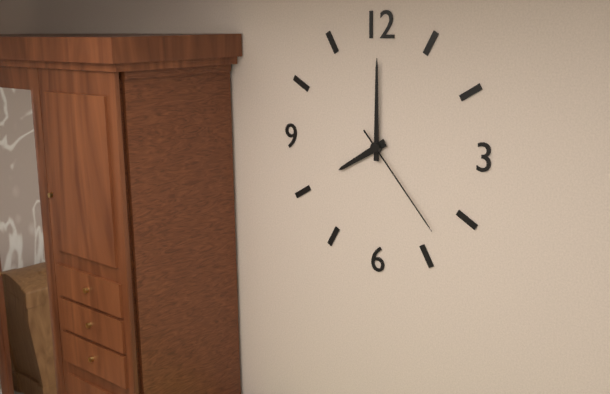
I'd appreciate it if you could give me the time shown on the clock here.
8:00:23
